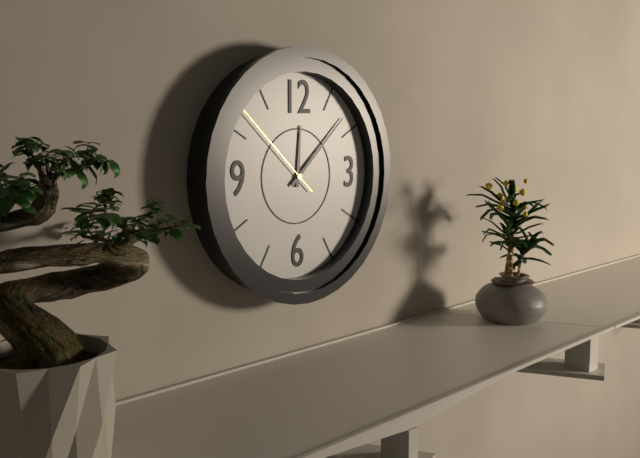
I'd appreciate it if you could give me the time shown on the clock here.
12:08:52
